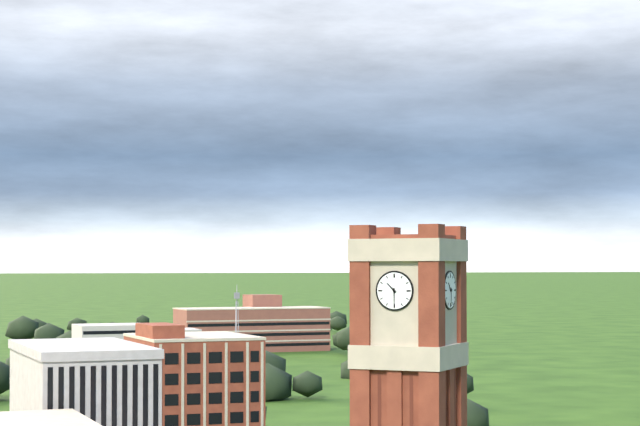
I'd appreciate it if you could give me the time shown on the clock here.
10:30
